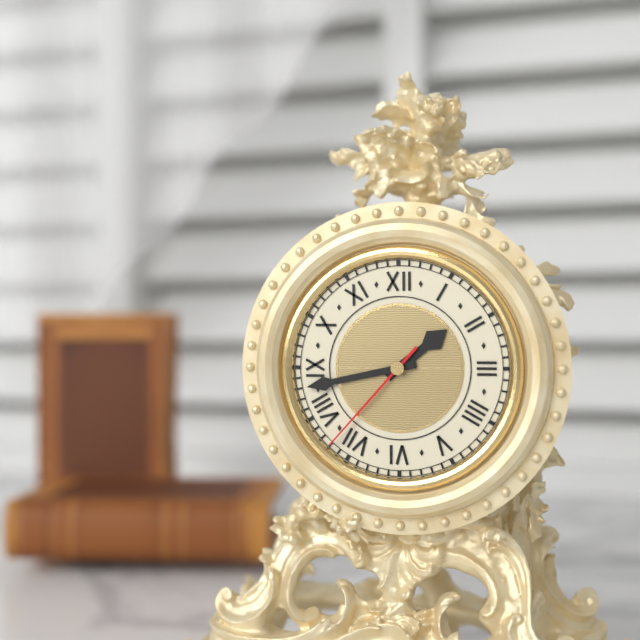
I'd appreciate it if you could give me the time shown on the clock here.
1:43:37
